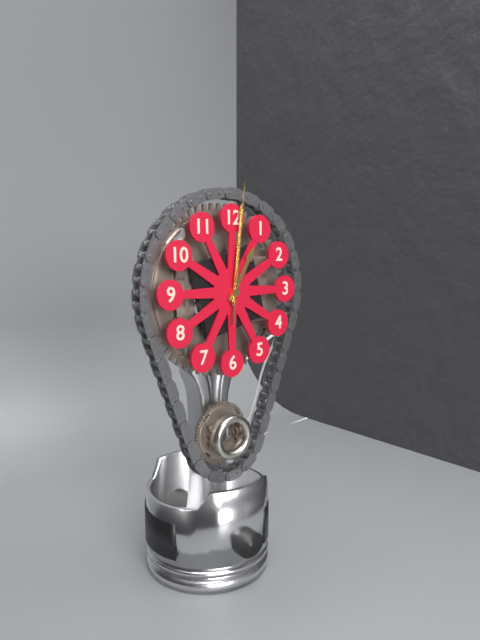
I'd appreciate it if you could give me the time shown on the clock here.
1:01:01
